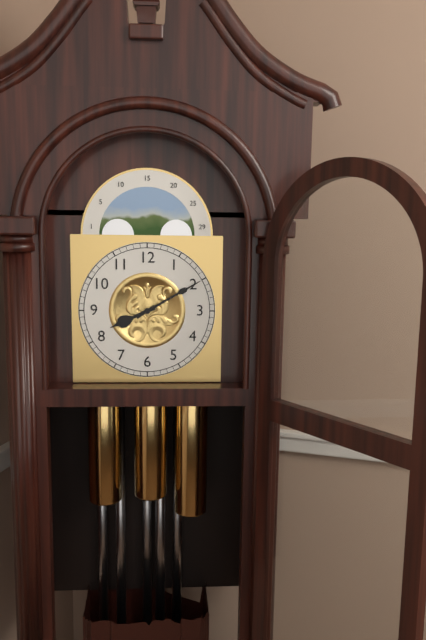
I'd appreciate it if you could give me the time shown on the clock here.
8:10
